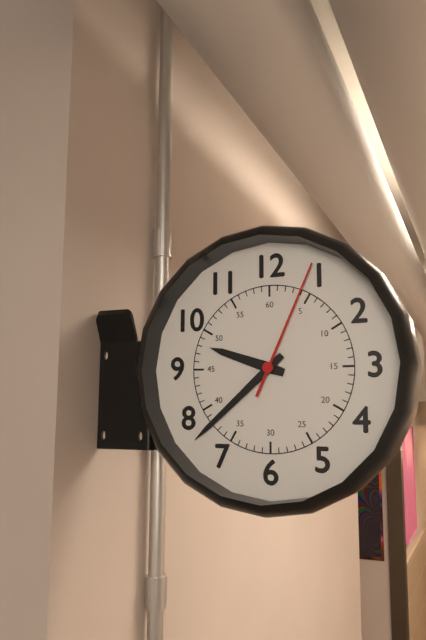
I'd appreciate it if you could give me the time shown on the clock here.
9:38:04
